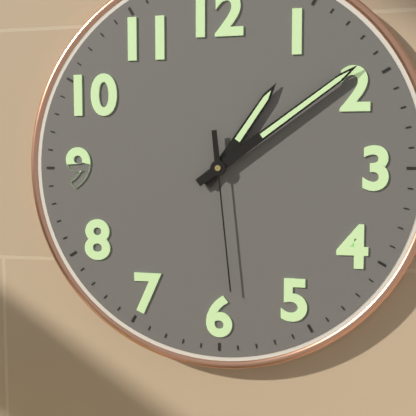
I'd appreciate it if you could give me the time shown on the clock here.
1:09:29
